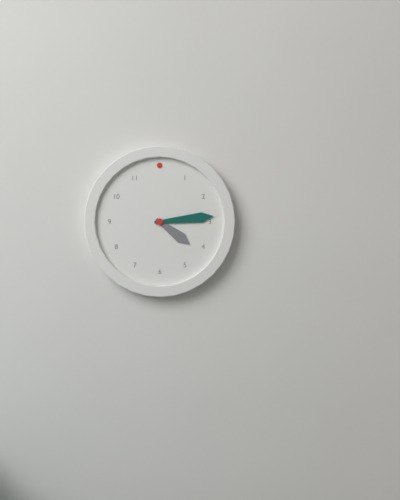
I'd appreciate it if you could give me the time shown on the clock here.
4:14
